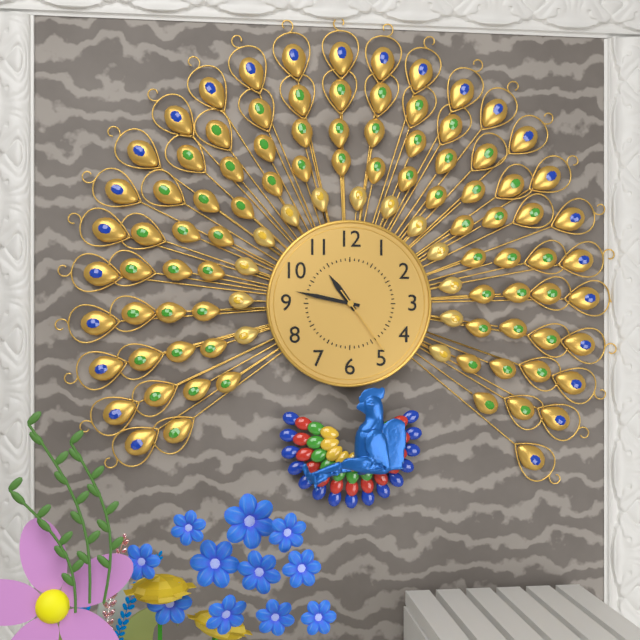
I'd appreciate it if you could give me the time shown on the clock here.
10:47:24
